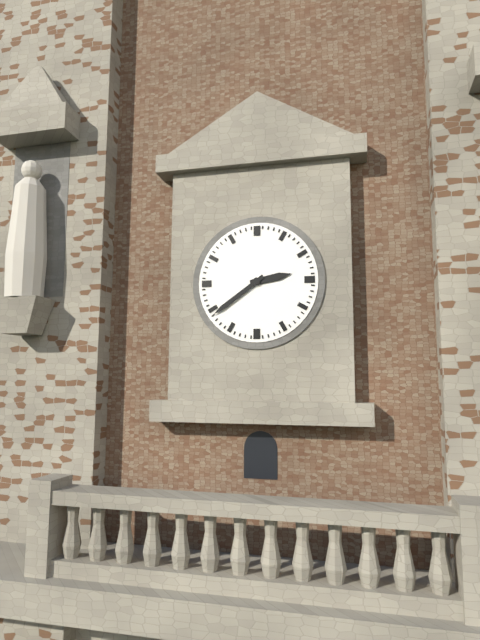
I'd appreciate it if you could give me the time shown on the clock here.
2:39
